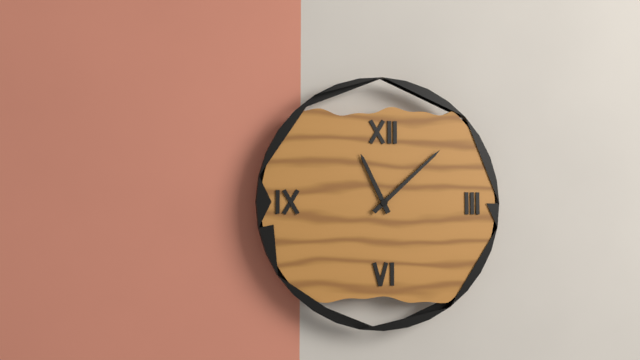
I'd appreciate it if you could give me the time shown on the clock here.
11:08
